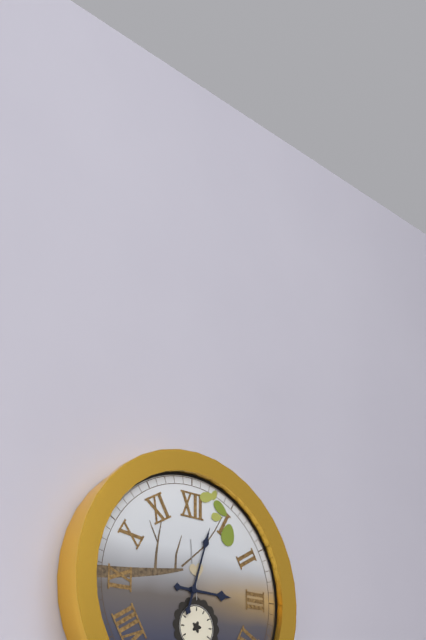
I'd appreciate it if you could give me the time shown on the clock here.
3:03
